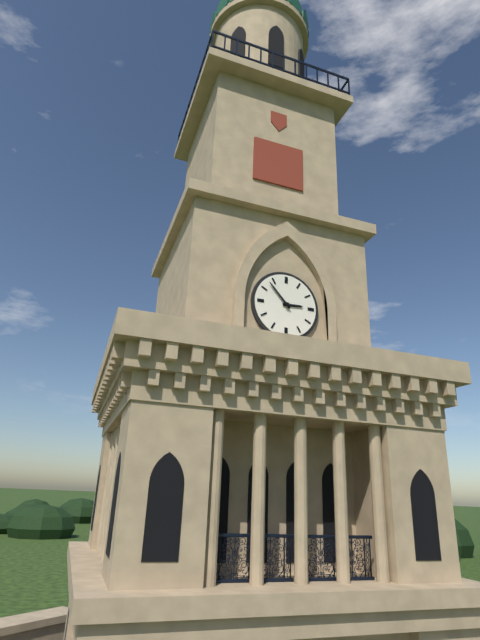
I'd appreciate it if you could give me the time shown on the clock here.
2:53
